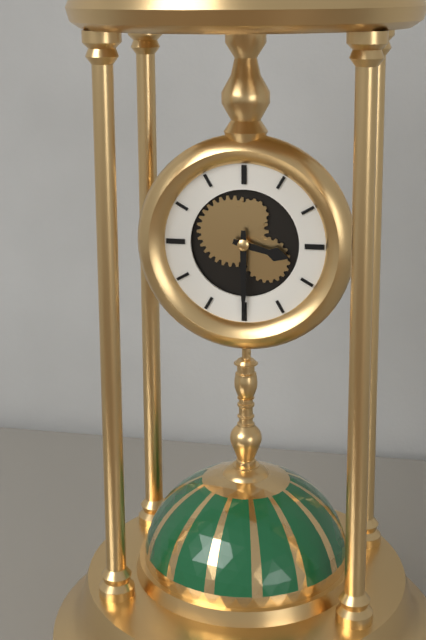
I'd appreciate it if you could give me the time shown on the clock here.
3:30
